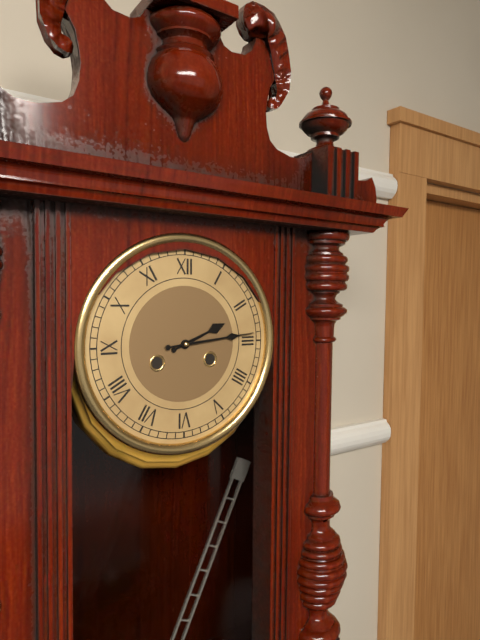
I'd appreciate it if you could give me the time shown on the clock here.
2:14
